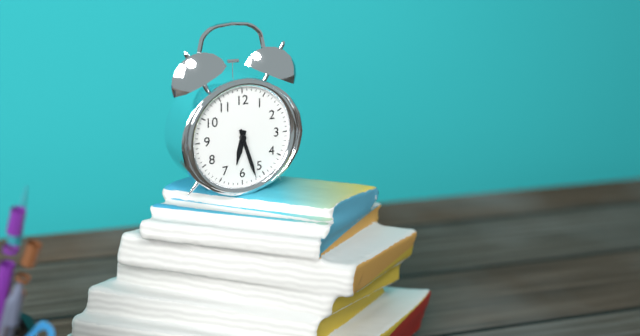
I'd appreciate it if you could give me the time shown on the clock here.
6:27
